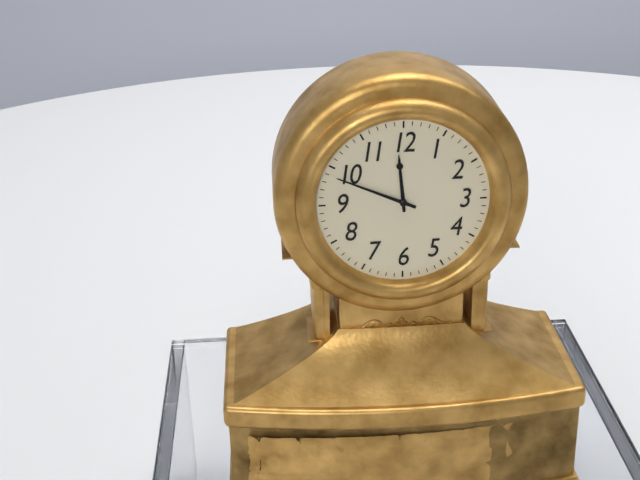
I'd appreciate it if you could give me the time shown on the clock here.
11:49
